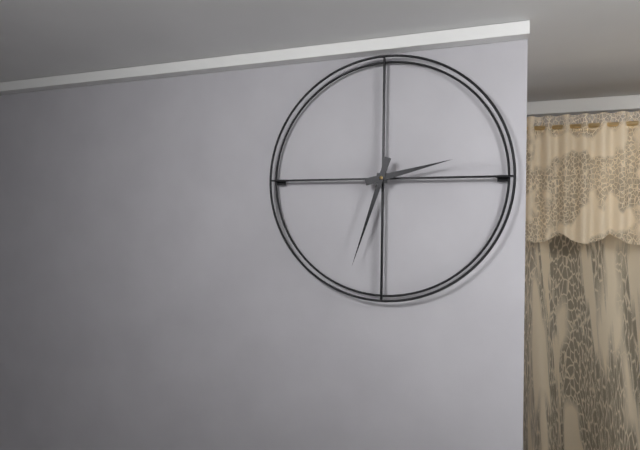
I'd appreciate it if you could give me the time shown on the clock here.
2:33
